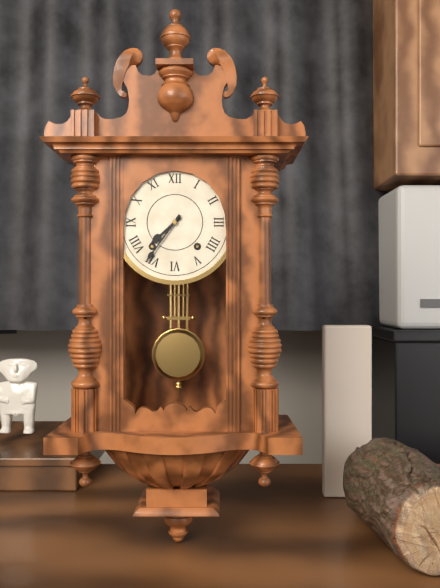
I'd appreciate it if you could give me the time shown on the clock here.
7:36
